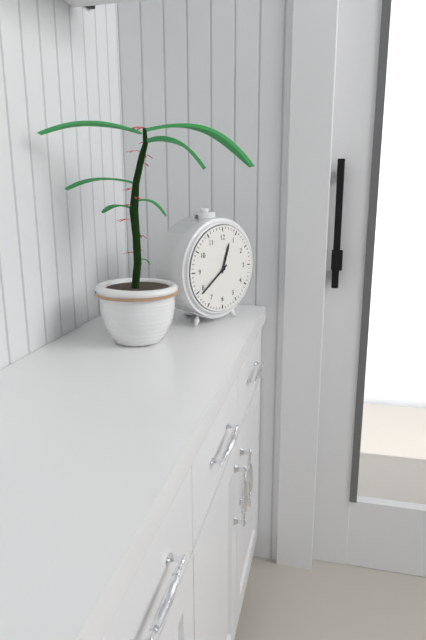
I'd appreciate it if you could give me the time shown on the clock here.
12:39
